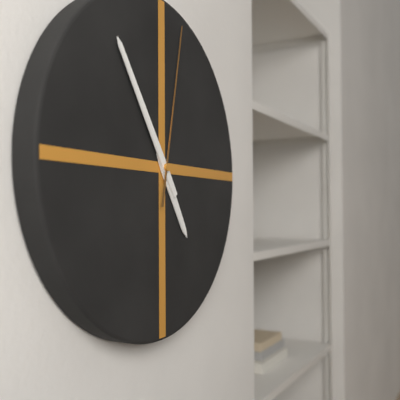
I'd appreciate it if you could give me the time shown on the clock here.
4:54:02
